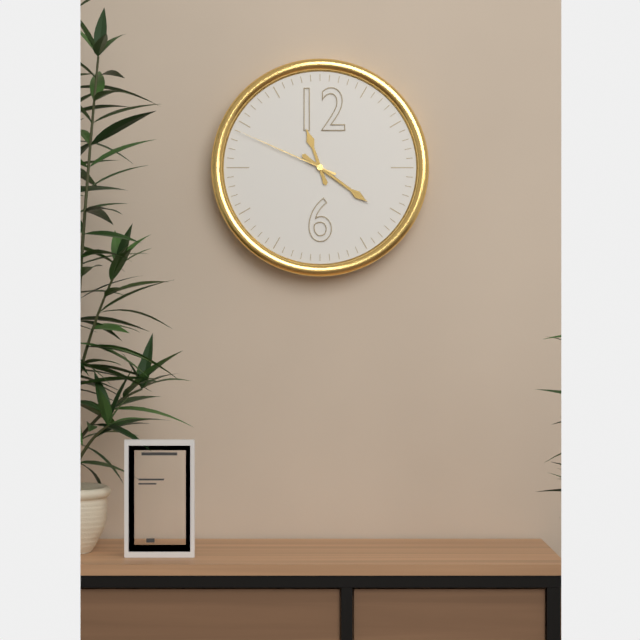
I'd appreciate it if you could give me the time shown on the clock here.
11:21:49
